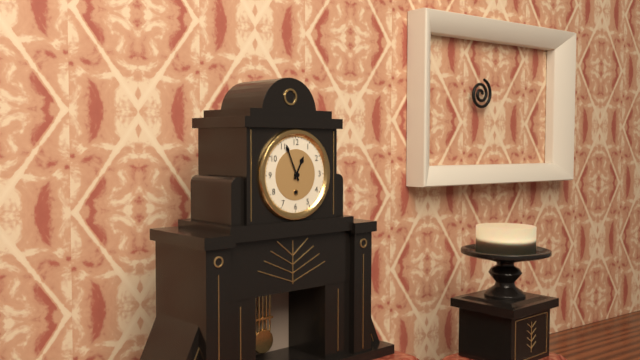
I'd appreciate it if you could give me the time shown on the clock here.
12:56
